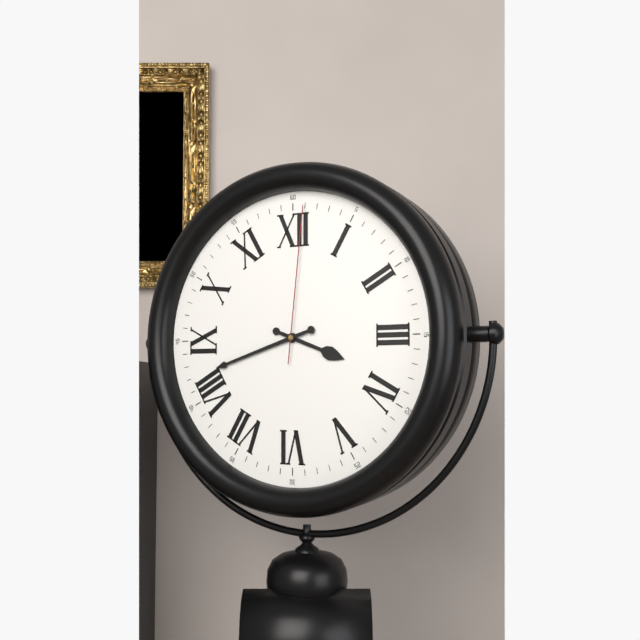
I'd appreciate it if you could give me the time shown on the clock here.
3:42:01
